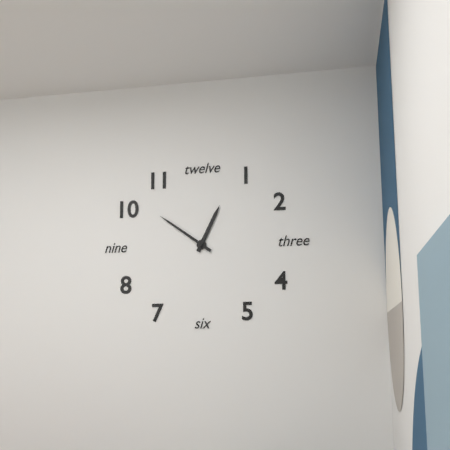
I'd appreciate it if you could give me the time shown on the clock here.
12:51
